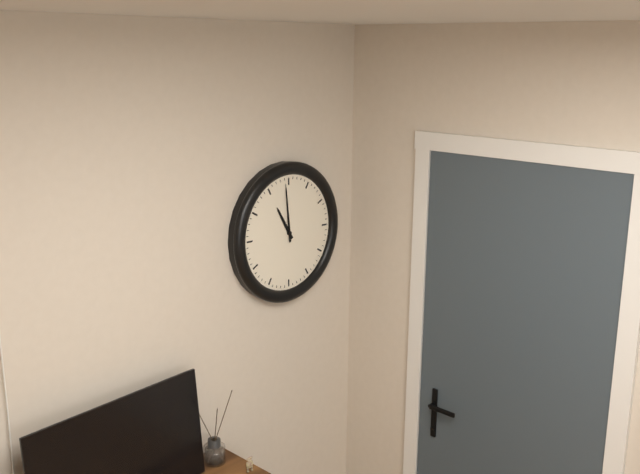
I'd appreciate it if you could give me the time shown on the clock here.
10:59
